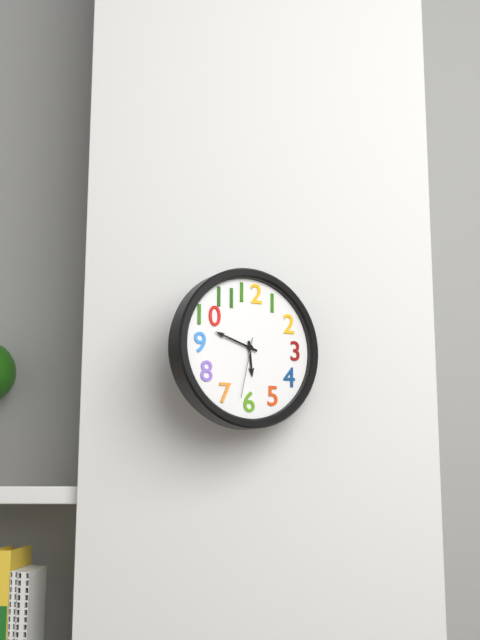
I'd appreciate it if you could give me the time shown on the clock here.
5:48:32
